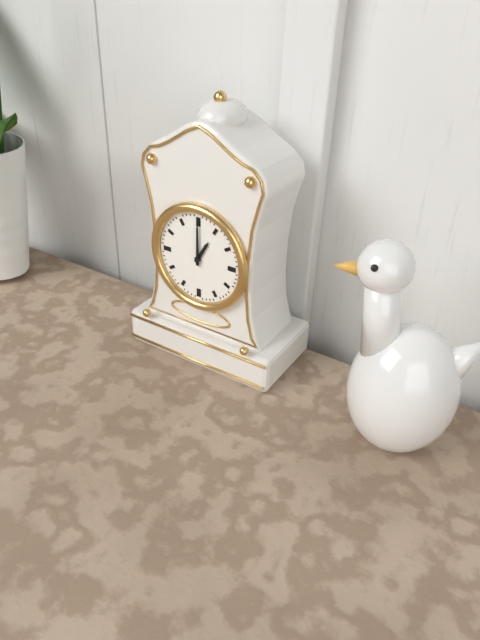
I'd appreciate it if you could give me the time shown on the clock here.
1:00
